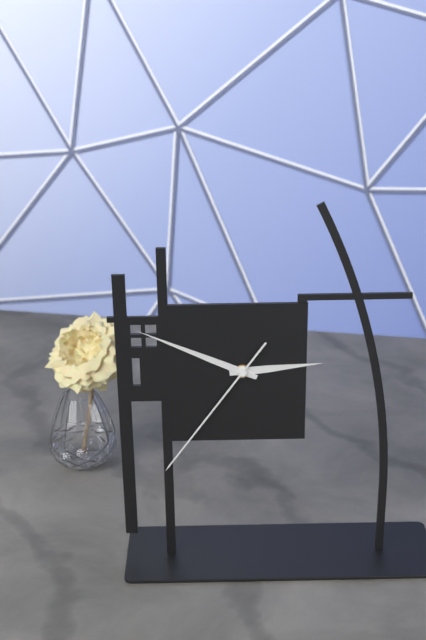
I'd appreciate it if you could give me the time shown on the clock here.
2:49:36
